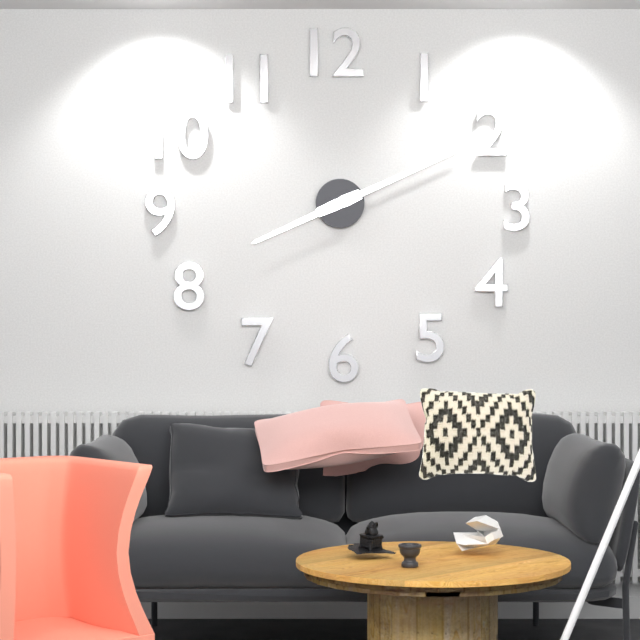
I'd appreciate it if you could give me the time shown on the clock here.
8:11
